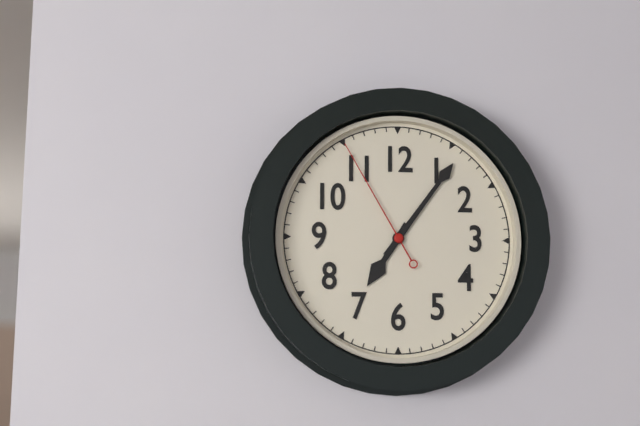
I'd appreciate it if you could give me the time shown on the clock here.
7:06:55
